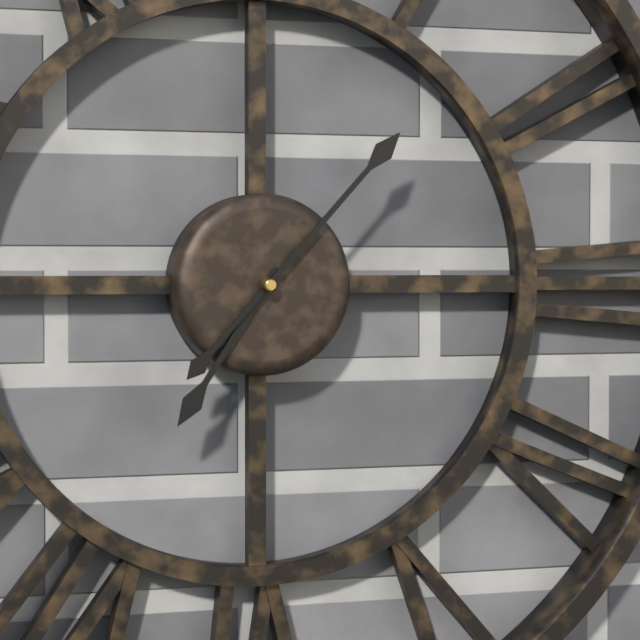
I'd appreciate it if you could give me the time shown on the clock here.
7:07
